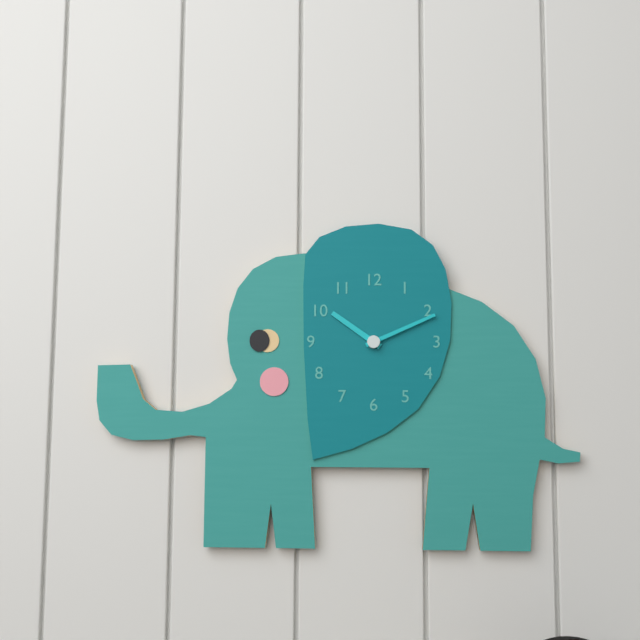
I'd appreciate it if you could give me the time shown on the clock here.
10:11
